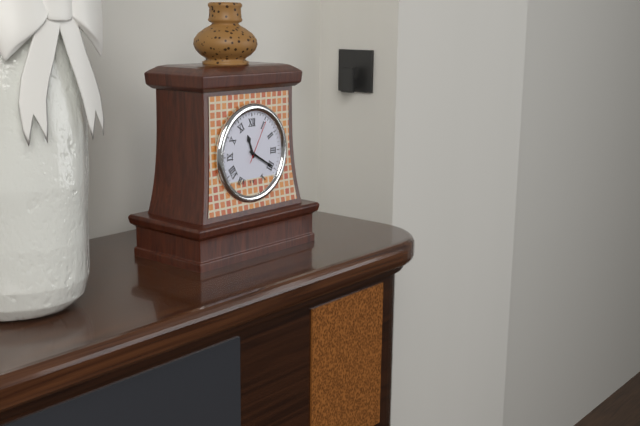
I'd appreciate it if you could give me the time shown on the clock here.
11:20
